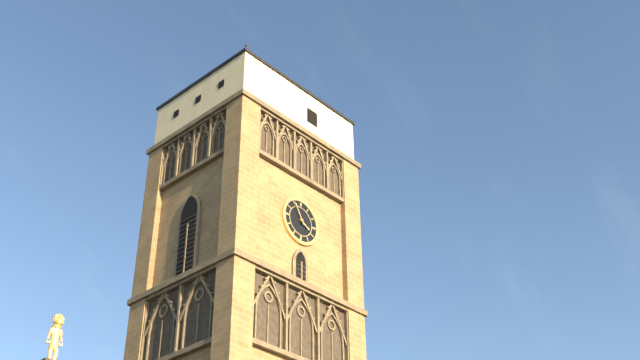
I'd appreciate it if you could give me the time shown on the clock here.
3:55
